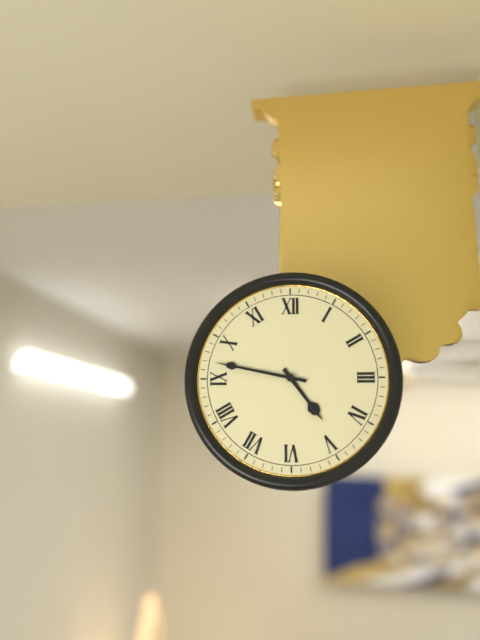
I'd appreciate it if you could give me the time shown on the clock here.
4:47
